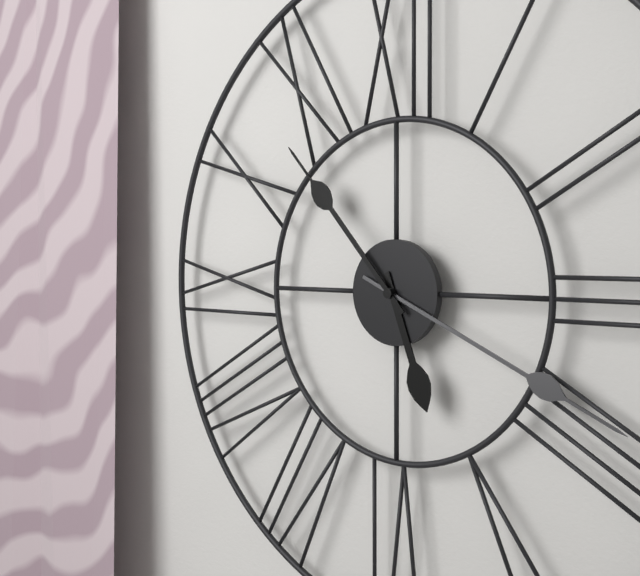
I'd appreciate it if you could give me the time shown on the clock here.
5:19:53
